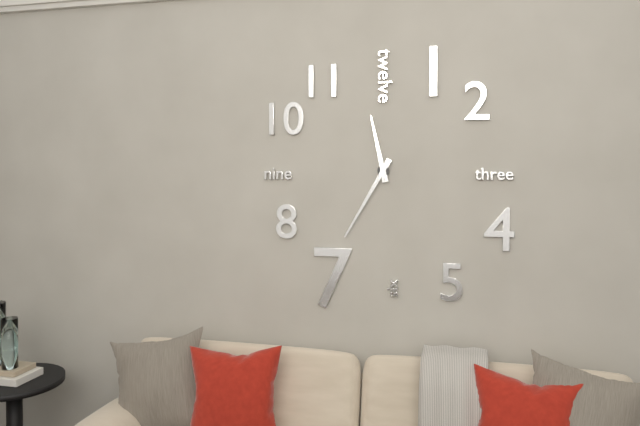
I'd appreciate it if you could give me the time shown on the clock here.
11:35
